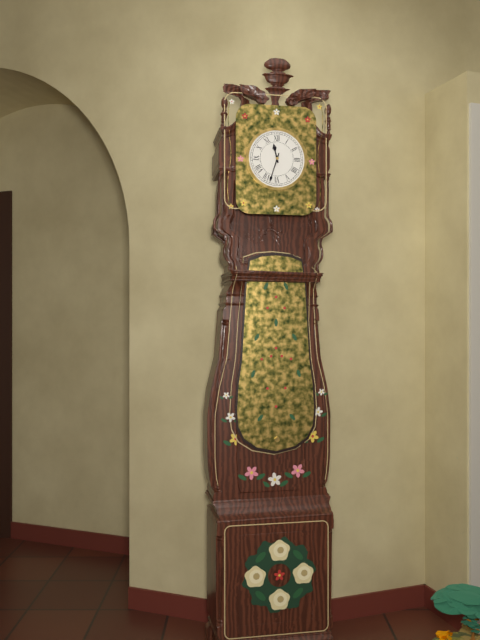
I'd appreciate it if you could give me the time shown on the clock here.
11:33
